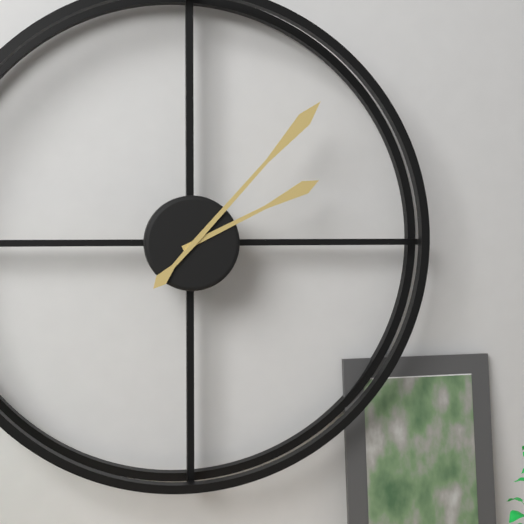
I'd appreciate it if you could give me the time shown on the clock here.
2:07
